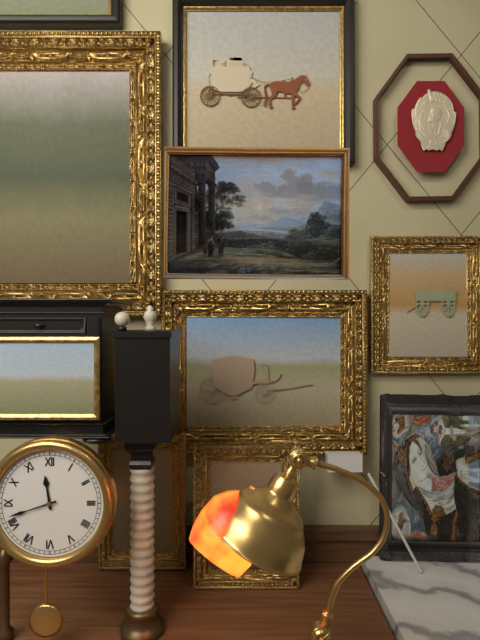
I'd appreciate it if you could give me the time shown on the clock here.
11:42
